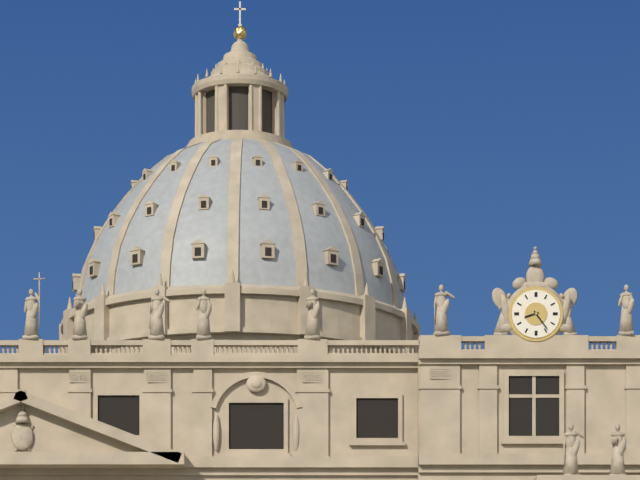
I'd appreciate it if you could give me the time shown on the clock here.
8:24
